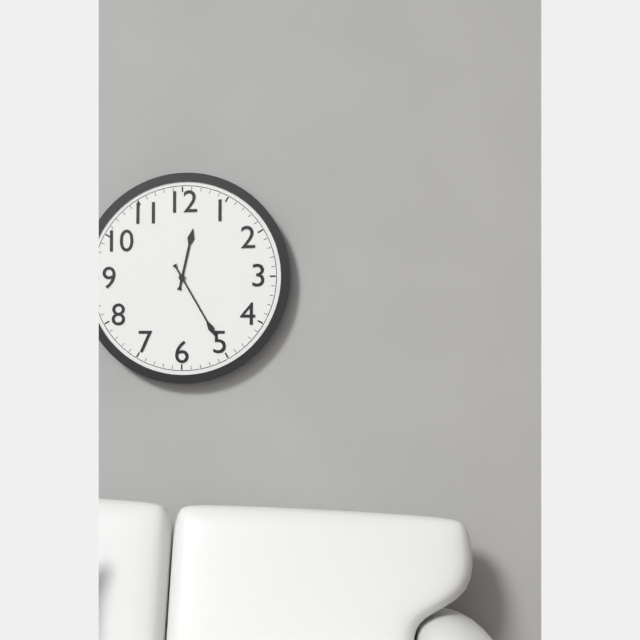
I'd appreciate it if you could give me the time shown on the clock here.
12:25
